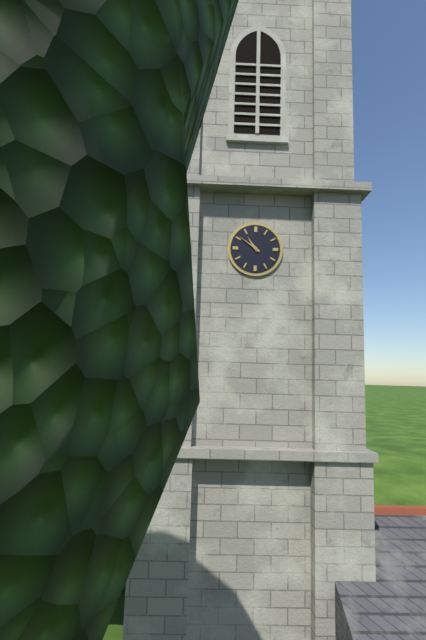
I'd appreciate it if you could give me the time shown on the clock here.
10:51
